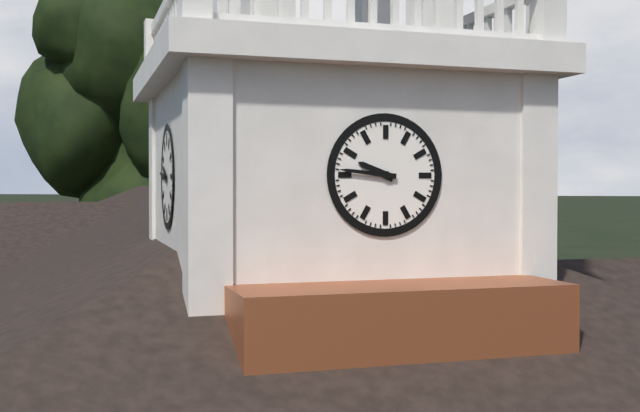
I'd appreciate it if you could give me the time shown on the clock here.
9:46
